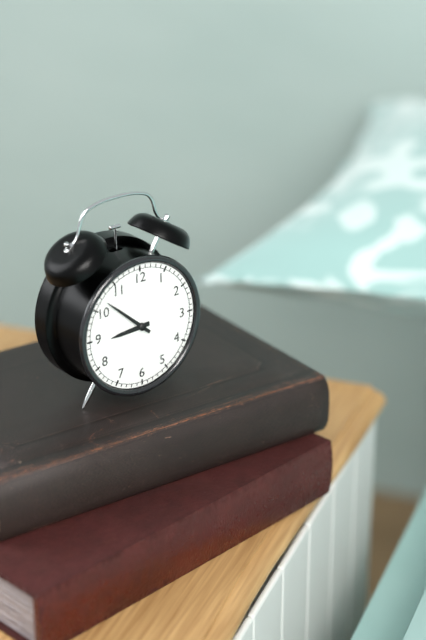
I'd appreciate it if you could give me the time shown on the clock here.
8:52
